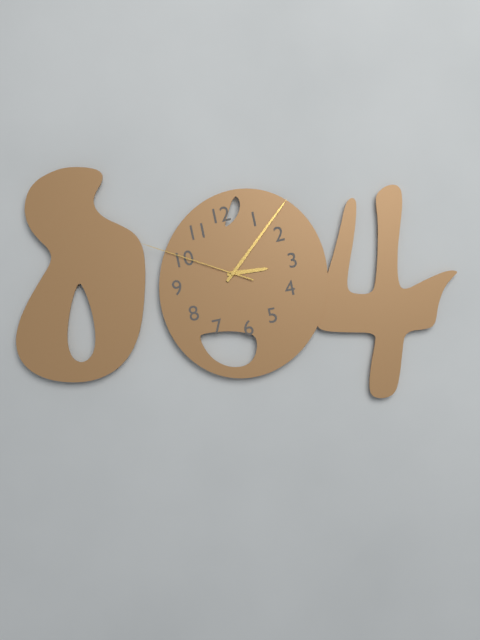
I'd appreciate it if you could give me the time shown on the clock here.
3:08:50
